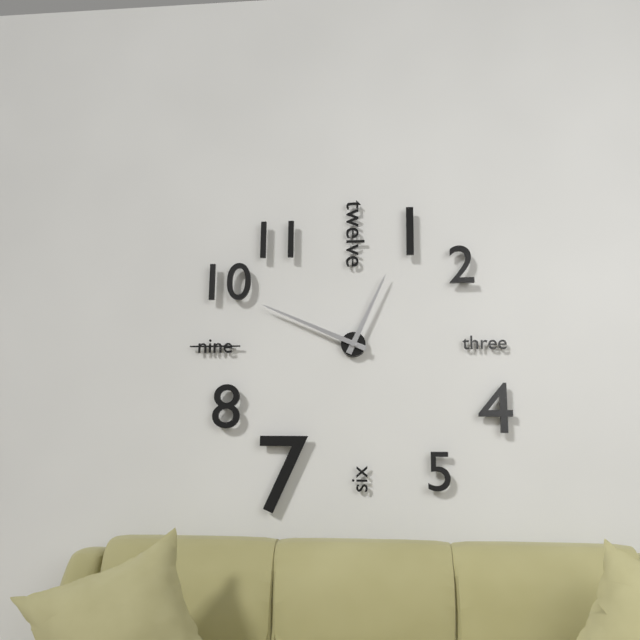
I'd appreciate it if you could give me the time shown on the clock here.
12:49
